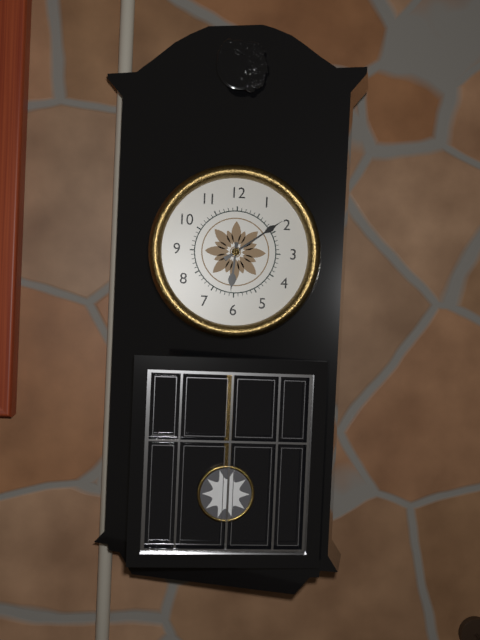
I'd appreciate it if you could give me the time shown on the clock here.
6:09
